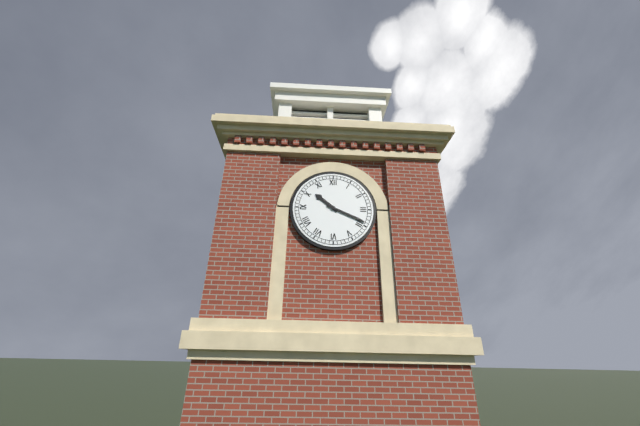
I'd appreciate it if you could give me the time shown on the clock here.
10:19
